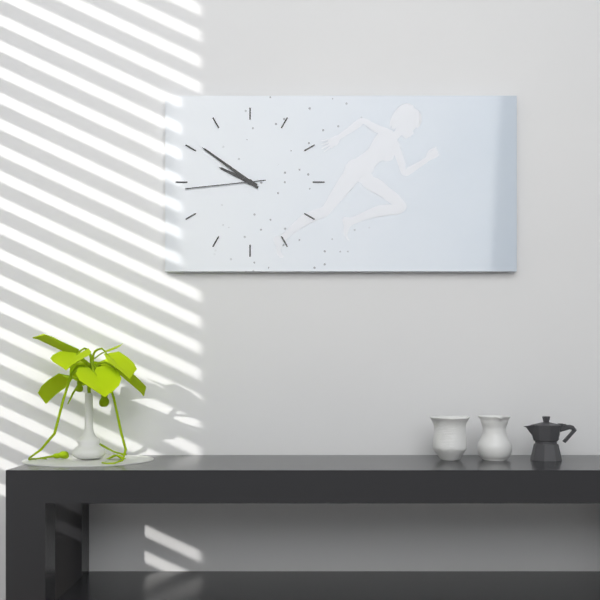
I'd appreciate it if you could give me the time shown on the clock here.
9:51:44
